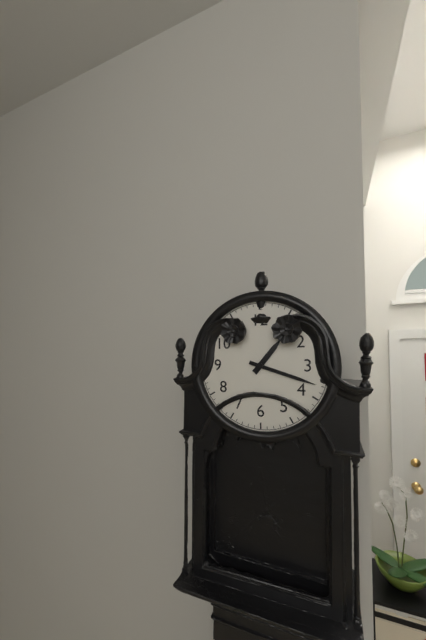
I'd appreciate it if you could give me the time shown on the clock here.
1:18
